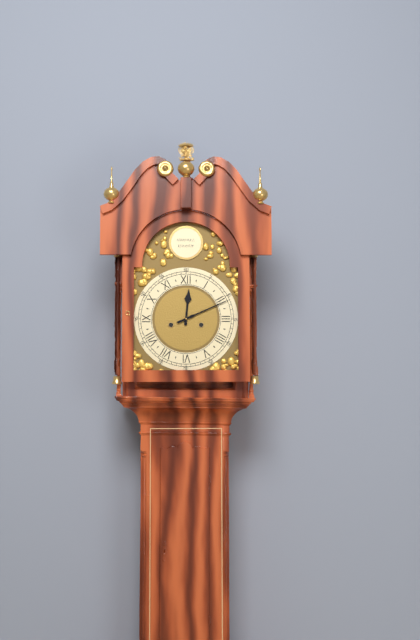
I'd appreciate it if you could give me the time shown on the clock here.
12:11
